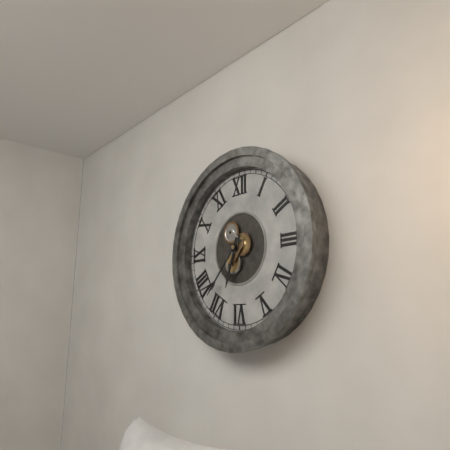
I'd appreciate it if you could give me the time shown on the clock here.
6:37
